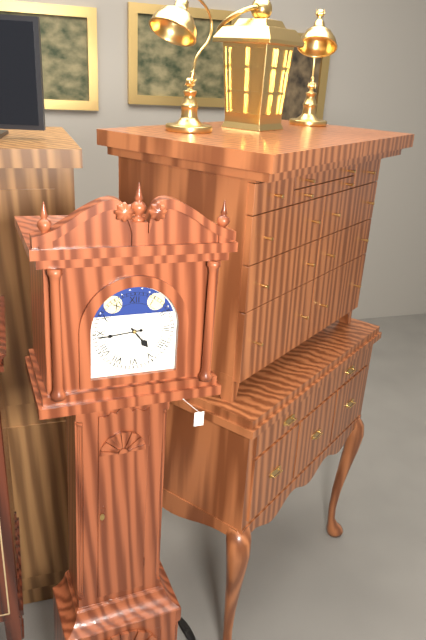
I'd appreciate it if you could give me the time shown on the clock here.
4:44
